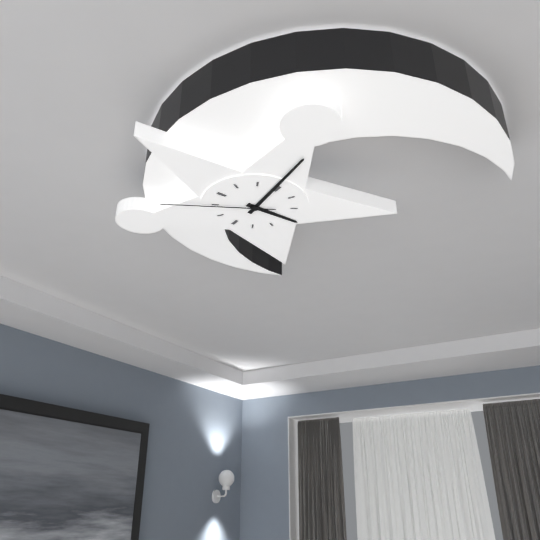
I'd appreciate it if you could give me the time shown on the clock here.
2:59:40
